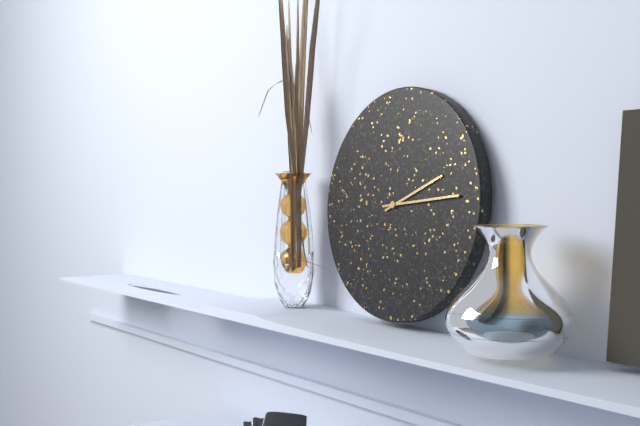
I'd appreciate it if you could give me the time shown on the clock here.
2:14
